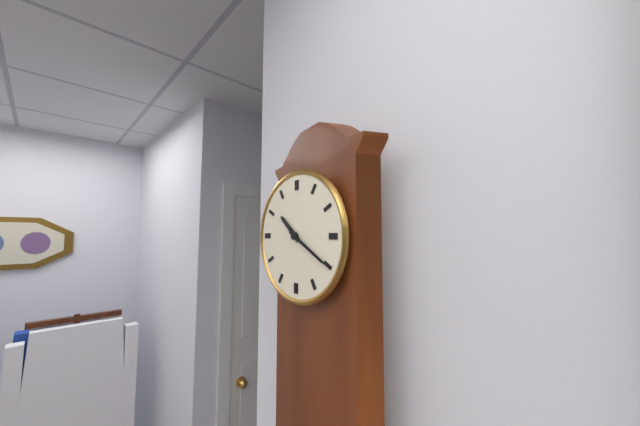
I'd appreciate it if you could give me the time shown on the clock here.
10:20
